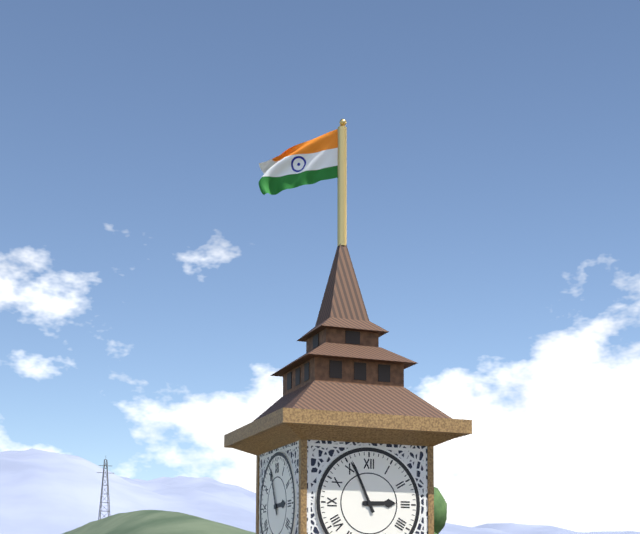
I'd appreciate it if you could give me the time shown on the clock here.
2:56
